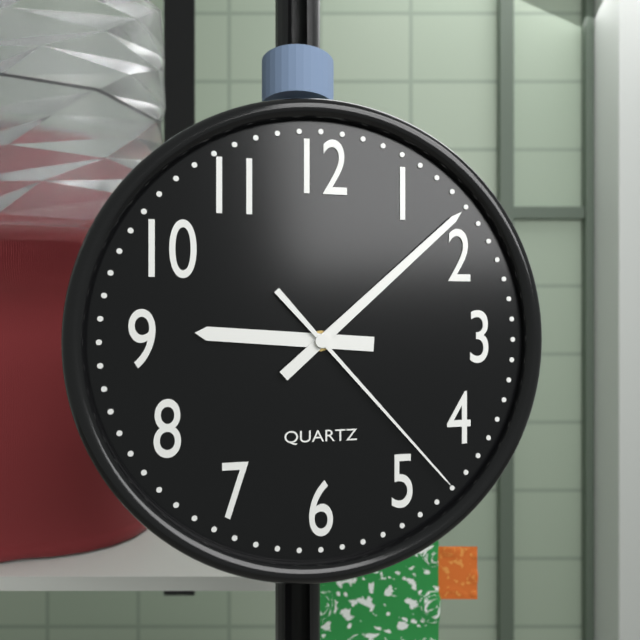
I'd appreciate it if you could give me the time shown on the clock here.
9:08:23
